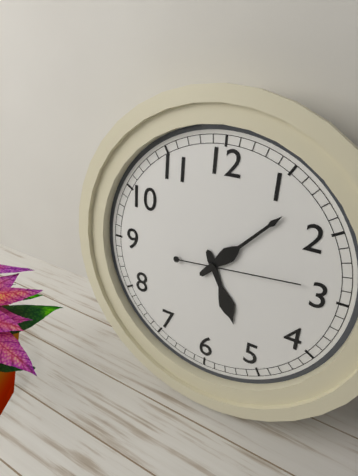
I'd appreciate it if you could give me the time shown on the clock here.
5:07:14
